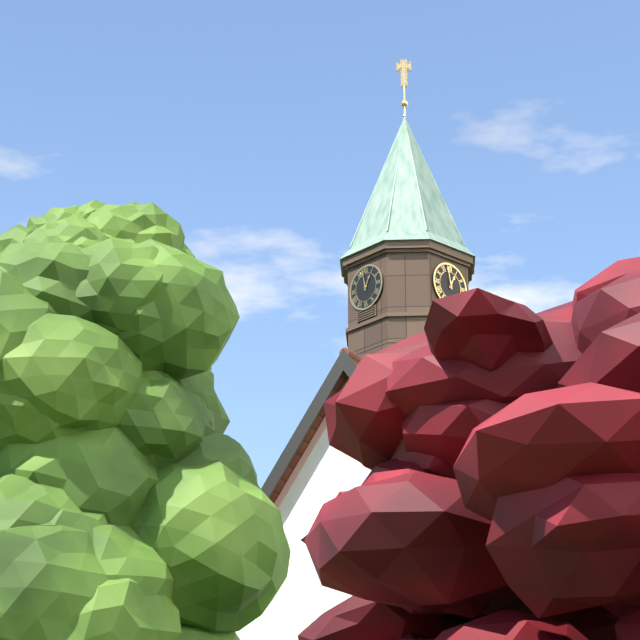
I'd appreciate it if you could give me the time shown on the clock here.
12:58
